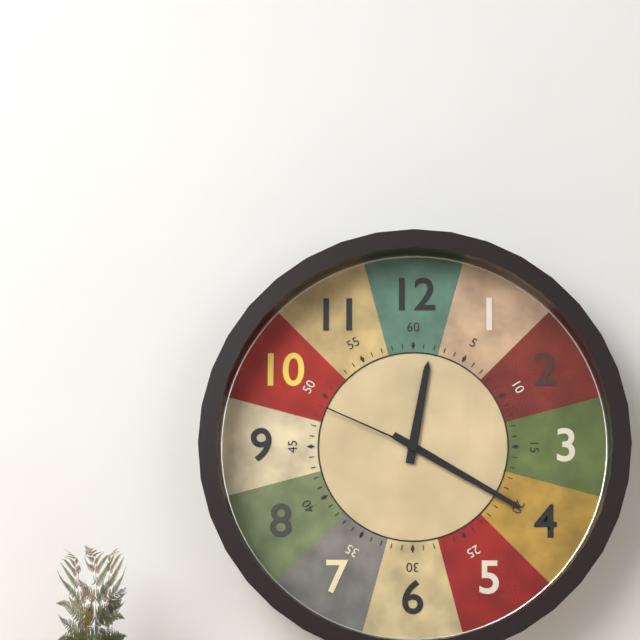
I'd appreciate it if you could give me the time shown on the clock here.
12:20:49
